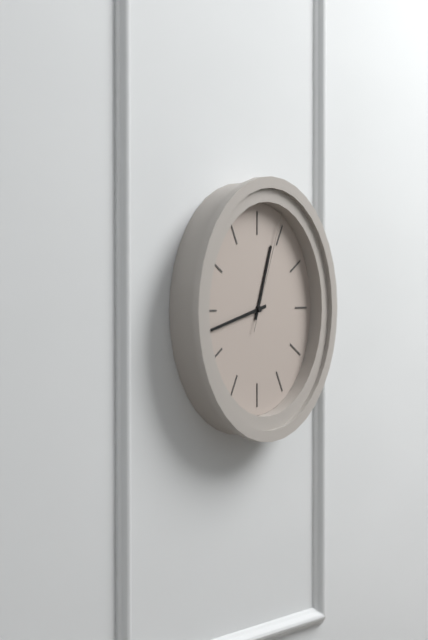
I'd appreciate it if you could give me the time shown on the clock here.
12:43:04
